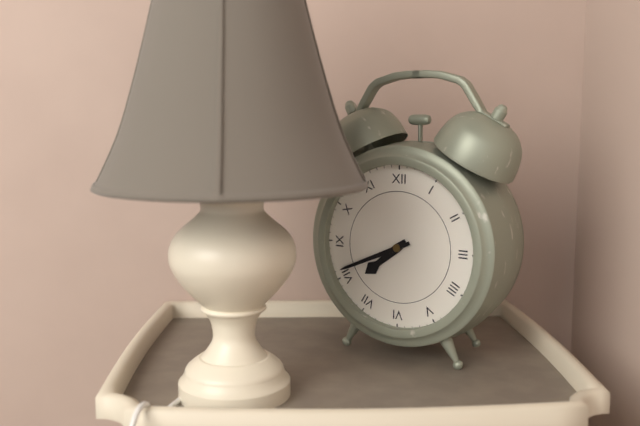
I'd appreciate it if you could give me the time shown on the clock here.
7:41
